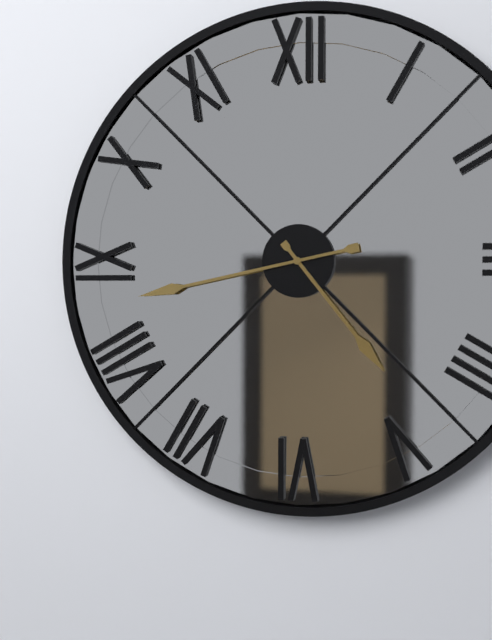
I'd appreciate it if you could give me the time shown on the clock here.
4:43
